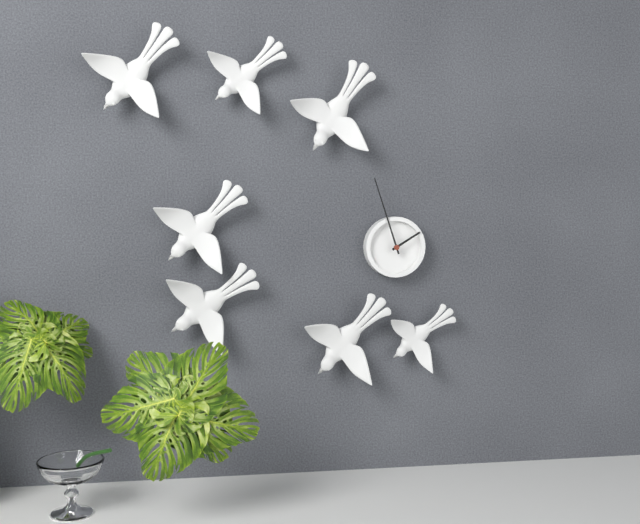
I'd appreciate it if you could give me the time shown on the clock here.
1:57
